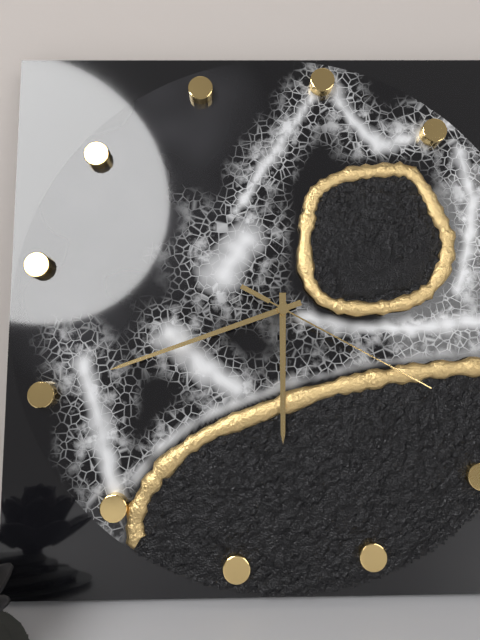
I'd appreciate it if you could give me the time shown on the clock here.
5:40:18
